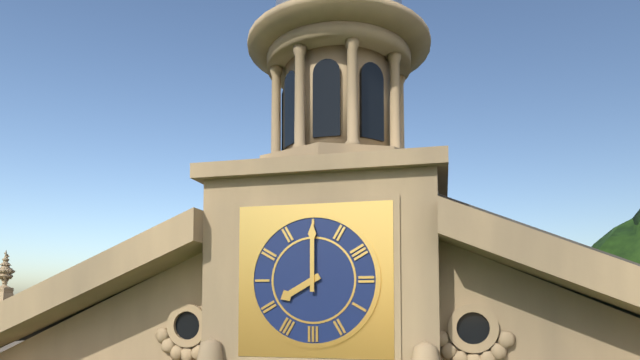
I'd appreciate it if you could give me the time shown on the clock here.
8:00
